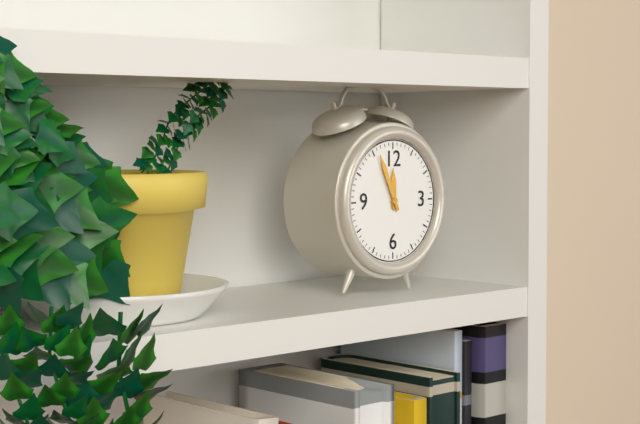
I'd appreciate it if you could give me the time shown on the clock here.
11:56
